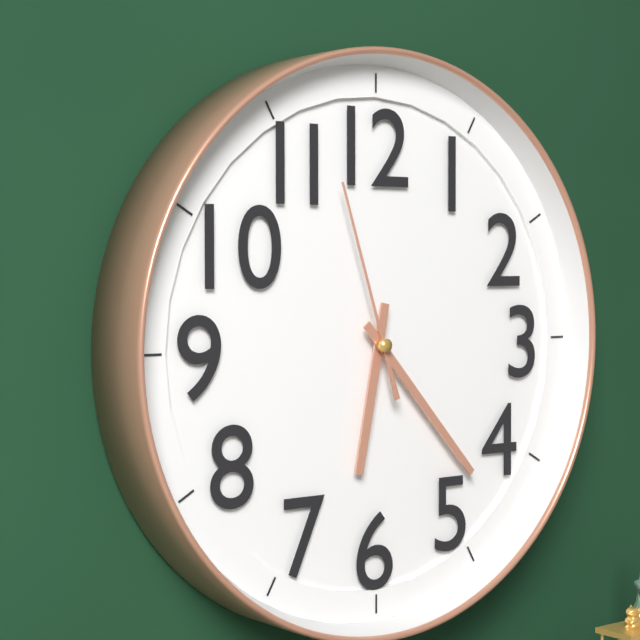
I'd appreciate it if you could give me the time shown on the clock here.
6:23:57
